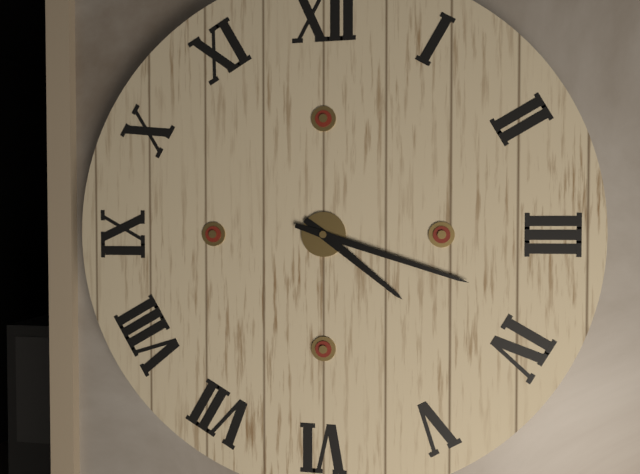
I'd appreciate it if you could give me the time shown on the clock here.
4:18
